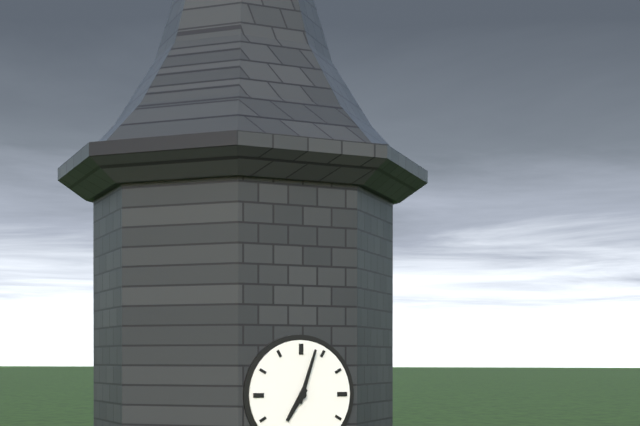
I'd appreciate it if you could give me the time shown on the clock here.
7:03
